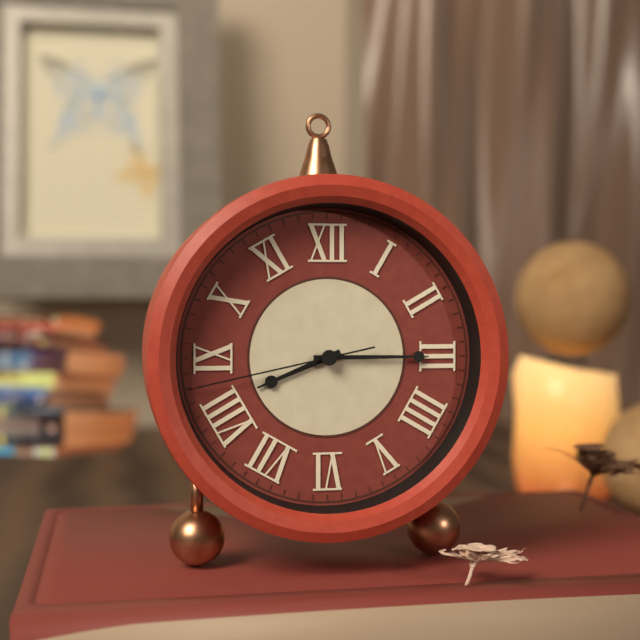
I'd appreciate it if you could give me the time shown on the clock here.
8:15:43
